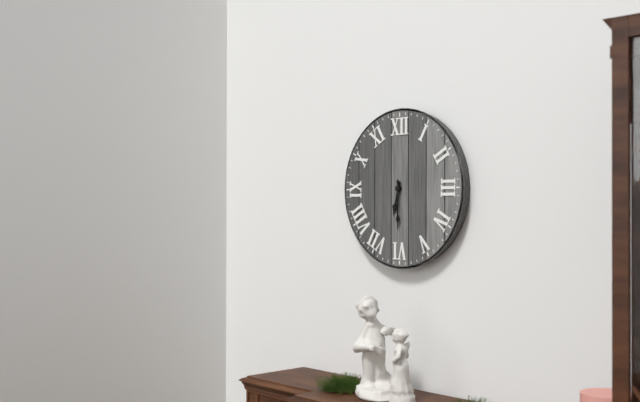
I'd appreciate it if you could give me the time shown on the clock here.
6:30
